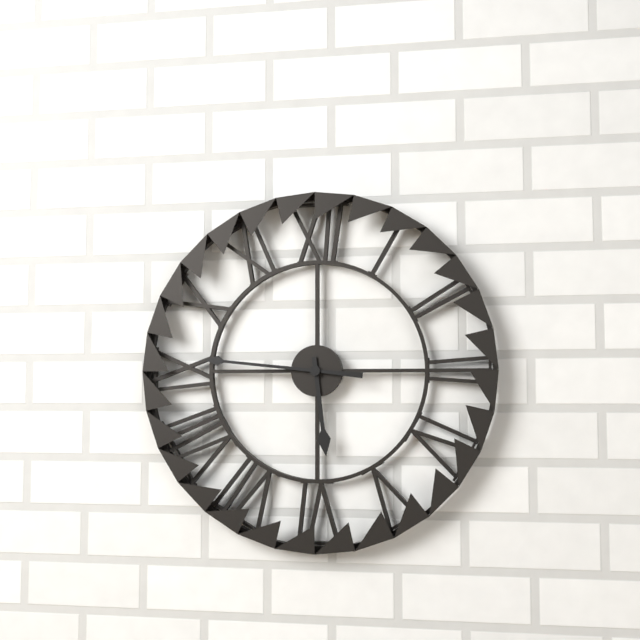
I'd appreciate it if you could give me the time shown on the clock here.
5:46
